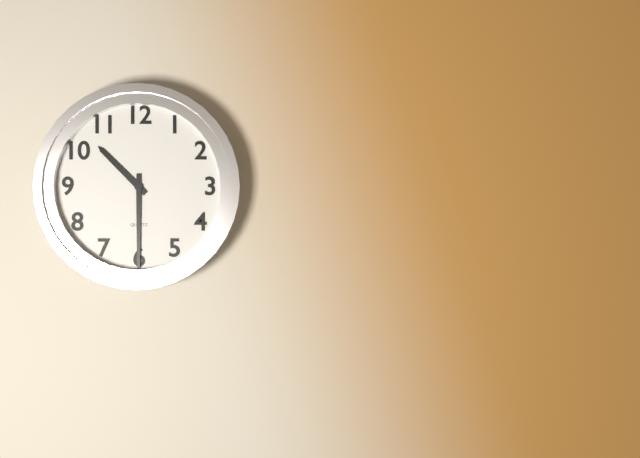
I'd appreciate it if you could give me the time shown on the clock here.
10:30
